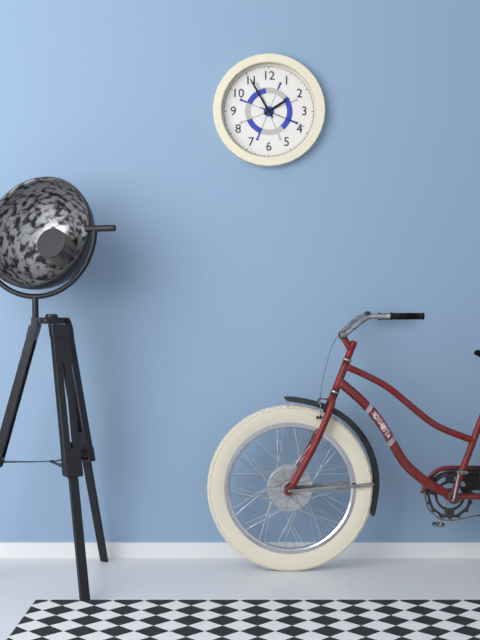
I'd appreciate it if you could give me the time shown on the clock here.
1:55
